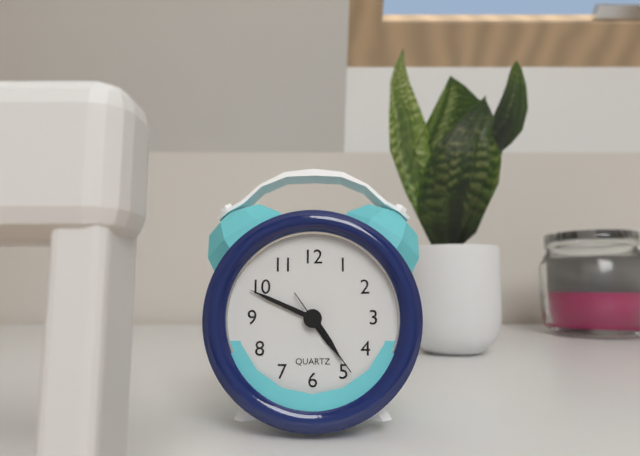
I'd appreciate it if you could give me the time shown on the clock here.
4:49:24
